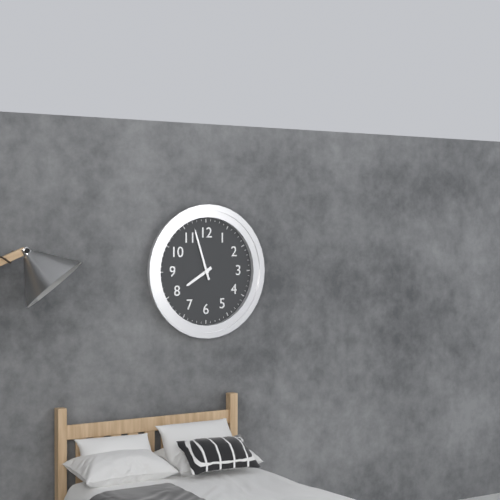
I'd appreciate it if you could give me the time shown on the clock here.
7:57
